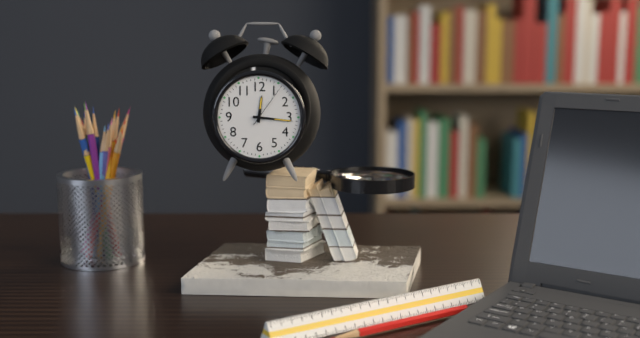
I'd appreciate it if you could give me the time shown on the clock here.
12:16
